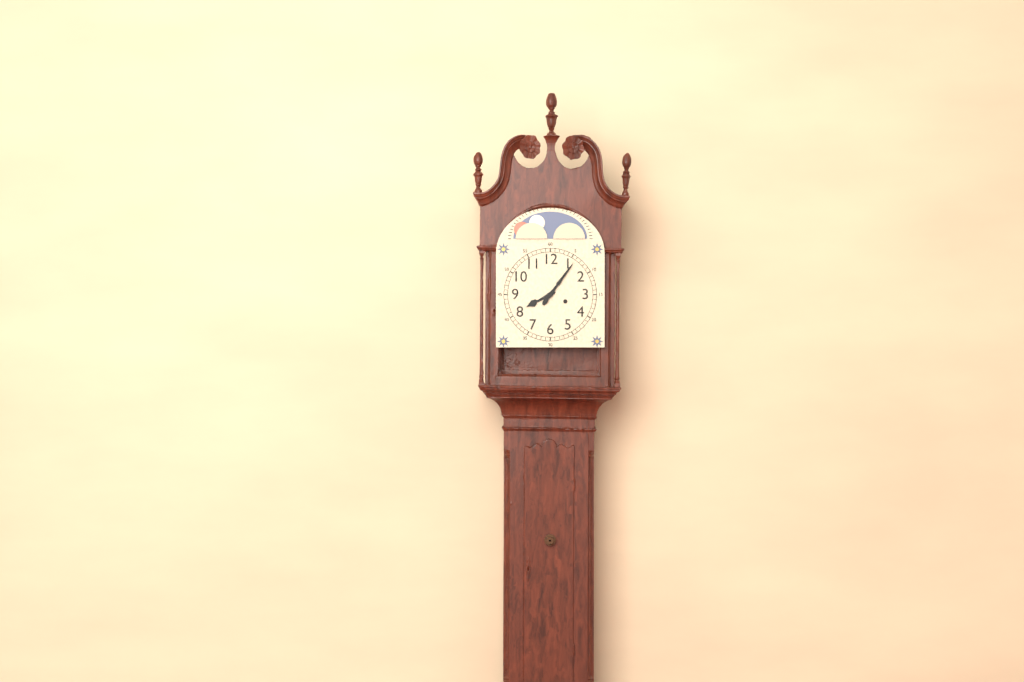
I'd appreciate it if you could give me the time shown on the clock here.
8:06
